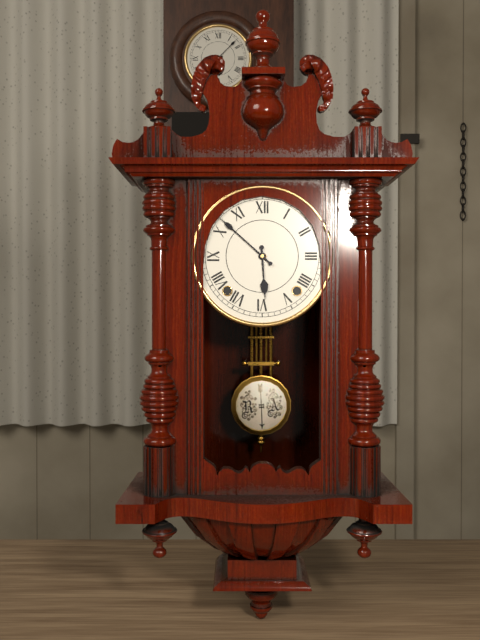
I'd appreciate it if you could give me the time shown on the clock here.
5:52
